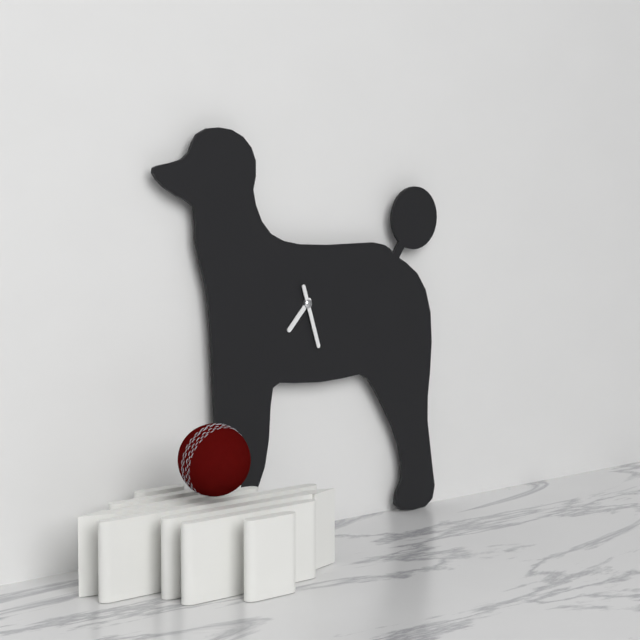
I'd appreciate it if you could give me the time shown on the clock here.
7:27
